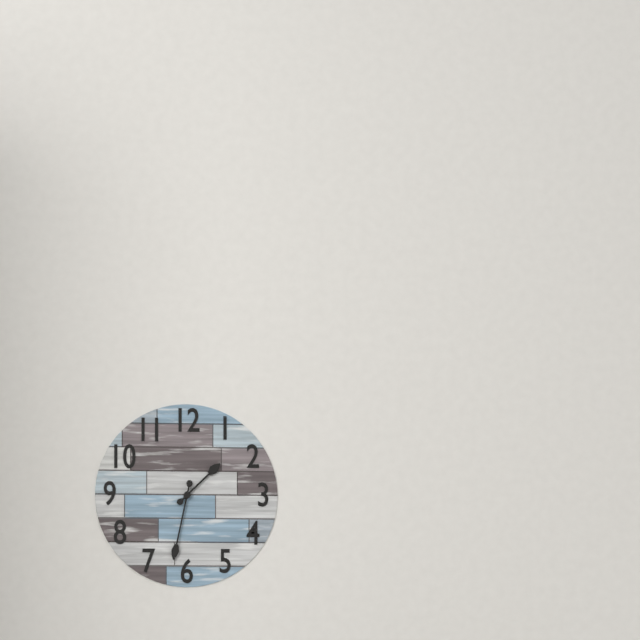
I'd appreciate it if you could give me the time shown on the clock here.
1:32
